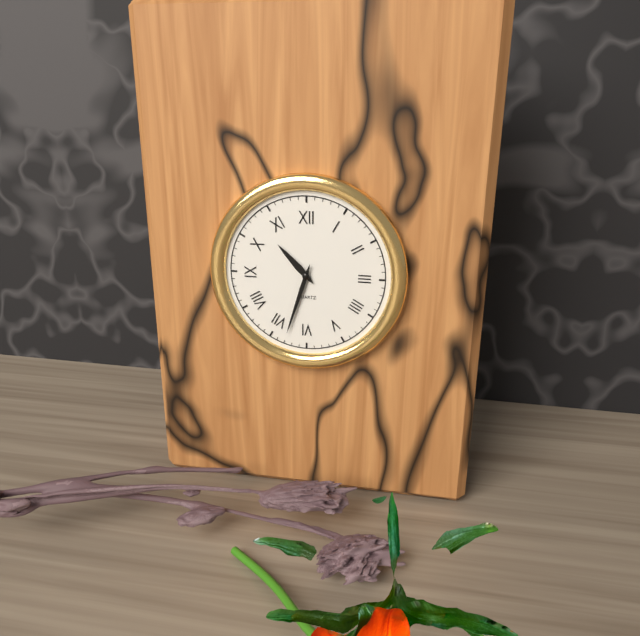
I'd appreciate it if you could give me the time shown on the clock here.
10:33
